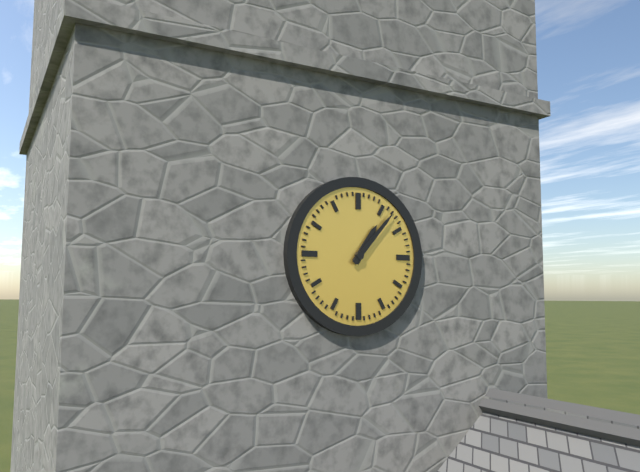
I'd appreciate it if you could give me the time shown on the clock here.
1:07
